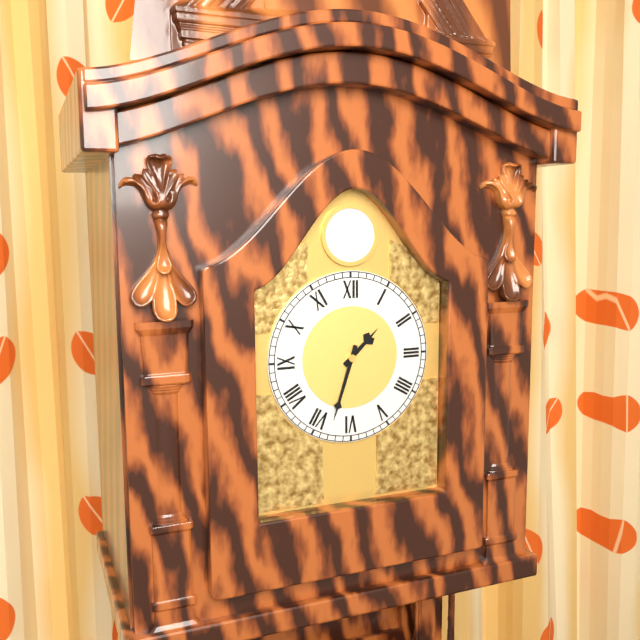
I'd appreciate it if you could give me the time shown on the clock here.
1:33
